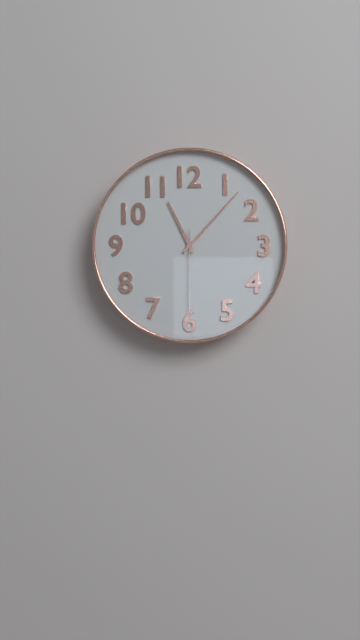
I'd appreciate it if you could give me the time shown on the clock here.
11:07:30
